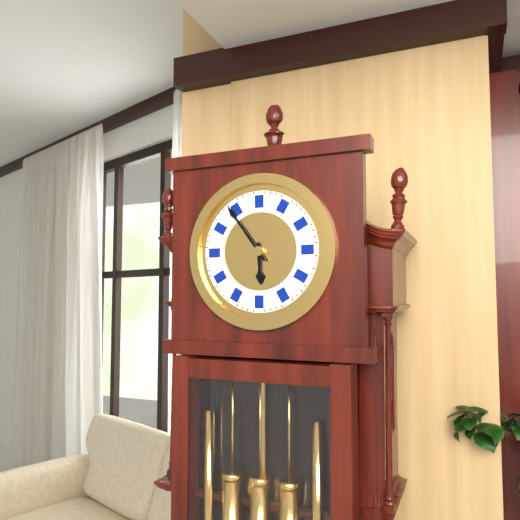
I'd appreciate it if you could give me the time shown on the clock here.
5:54
